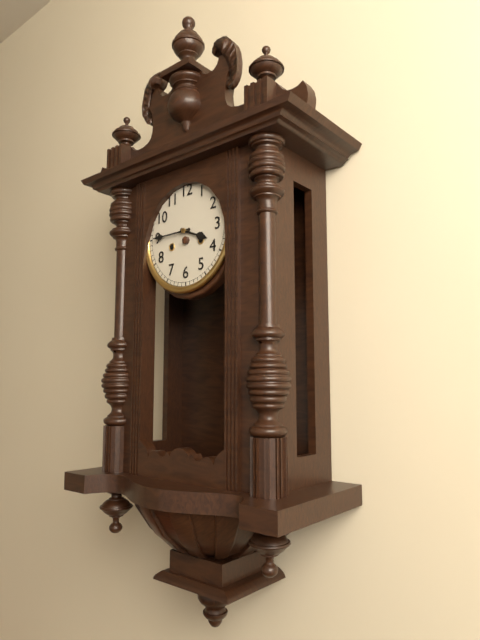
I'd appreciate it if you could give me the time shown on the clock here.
3:45
